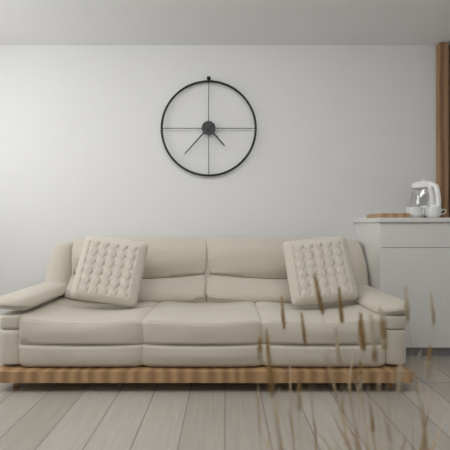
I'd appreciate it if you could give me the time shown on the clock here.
4:37
